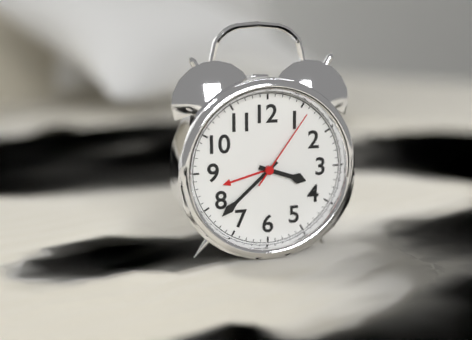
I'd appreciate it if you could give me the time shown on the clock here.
3:38:06
